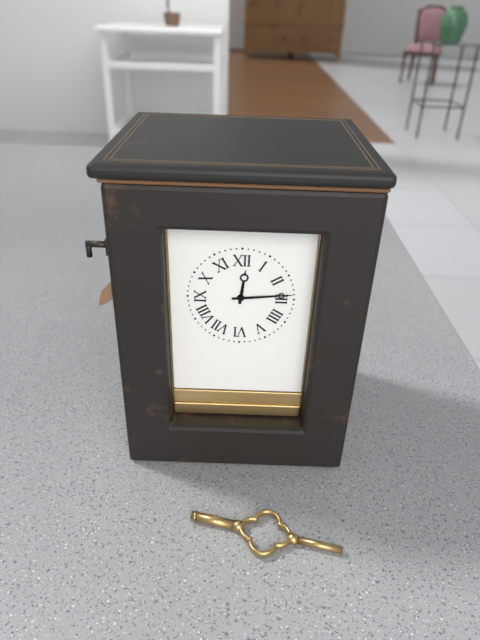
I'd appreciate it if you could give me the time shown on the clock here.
12:14
